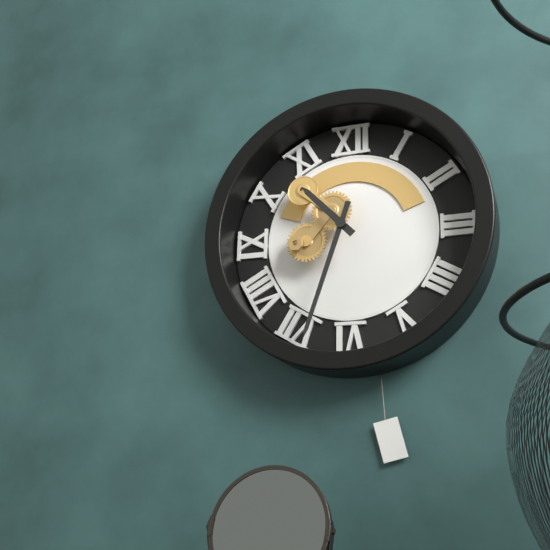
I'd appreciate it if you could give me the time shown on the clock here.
10:33
